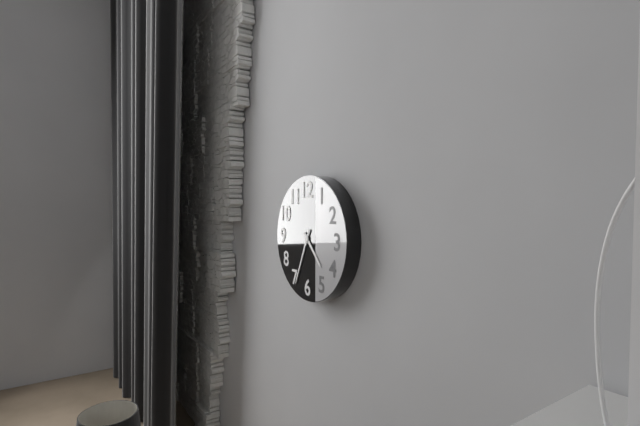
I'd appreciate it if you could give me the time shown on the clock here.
4:34
